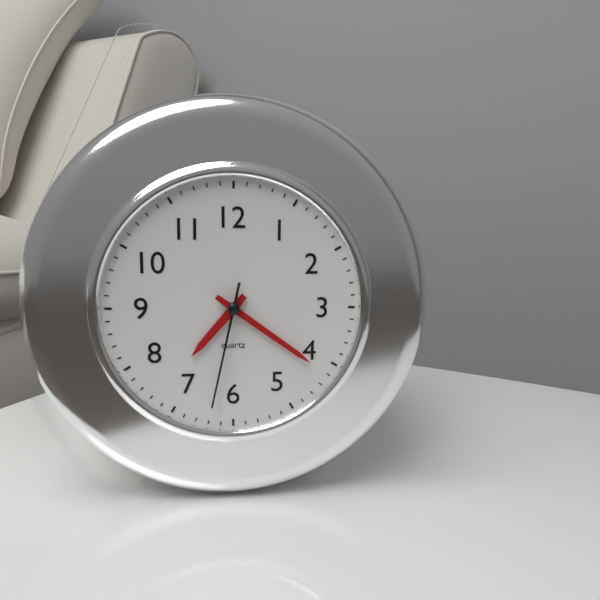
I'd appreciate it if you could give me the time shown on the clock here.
7:21:32
